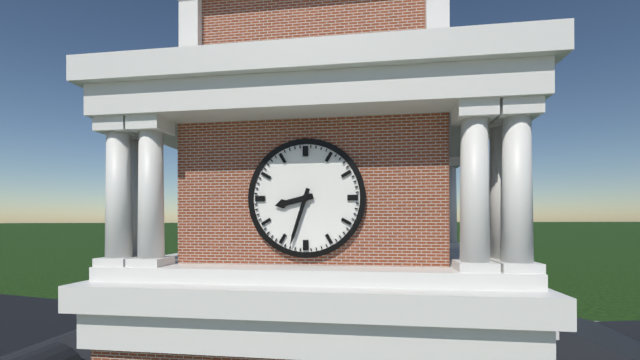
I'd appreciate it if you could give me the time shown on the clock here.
8:33
